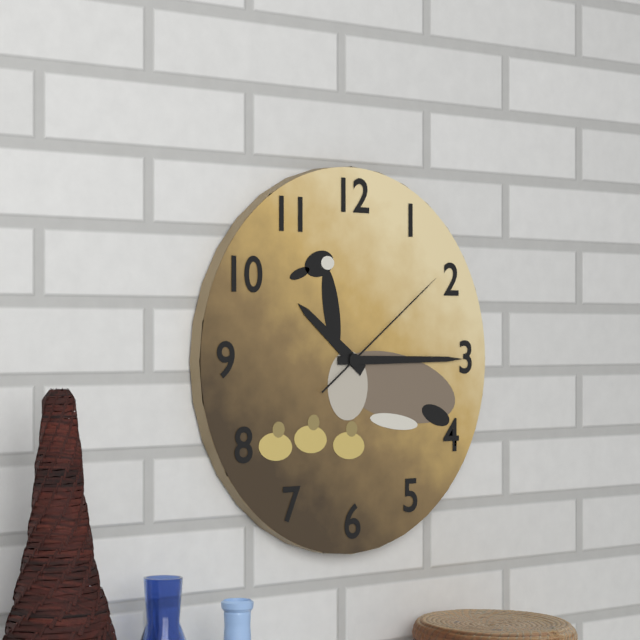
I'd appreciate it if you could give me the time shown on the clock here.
10:15:09
